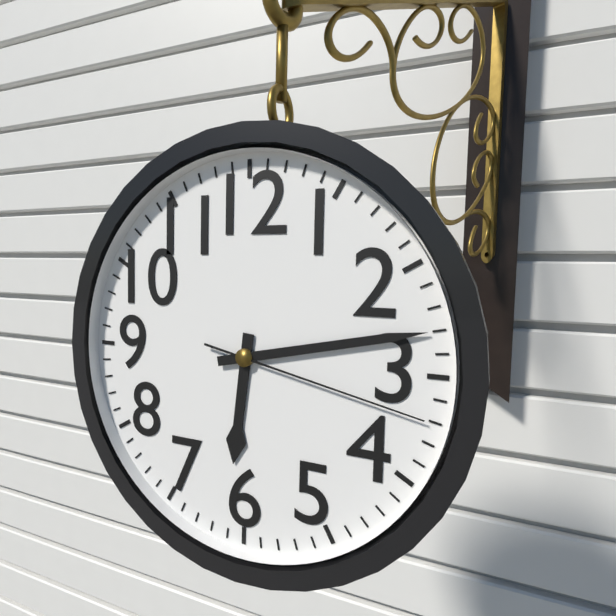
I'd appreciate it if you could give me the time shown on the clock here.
6:13:17
